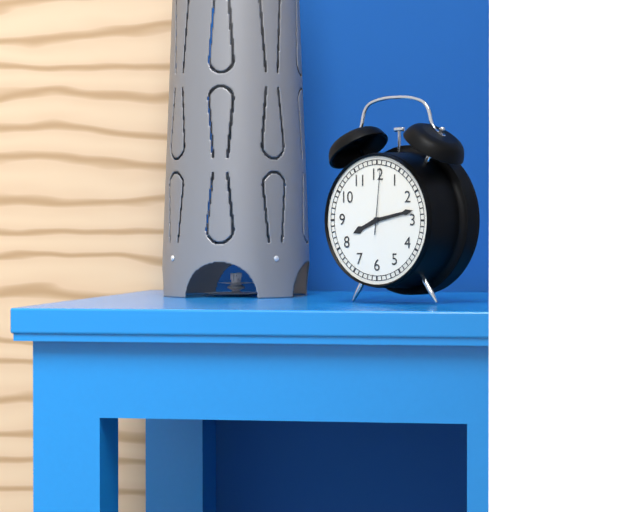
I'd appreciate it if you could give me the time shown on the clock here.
8:13:01
